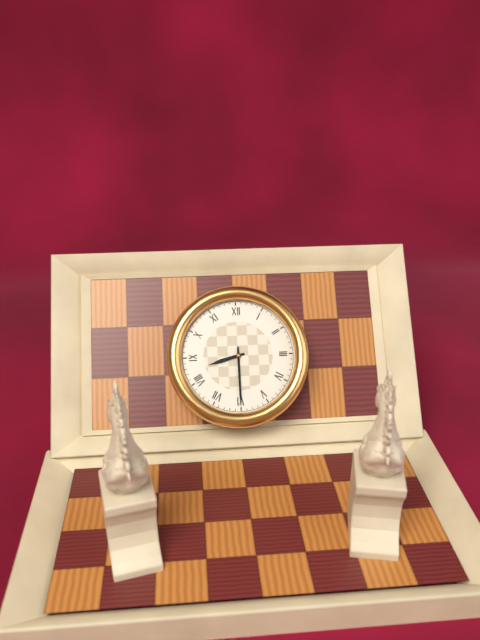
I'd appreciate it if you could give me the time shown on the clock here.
8:30
